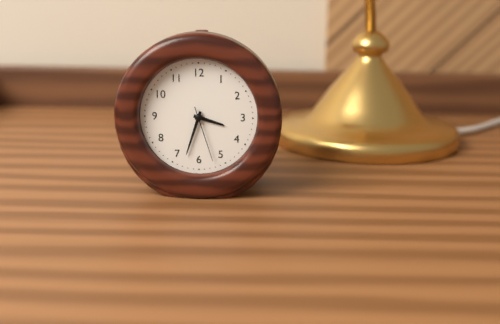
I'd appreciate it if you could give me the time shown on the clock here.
3:33:27
